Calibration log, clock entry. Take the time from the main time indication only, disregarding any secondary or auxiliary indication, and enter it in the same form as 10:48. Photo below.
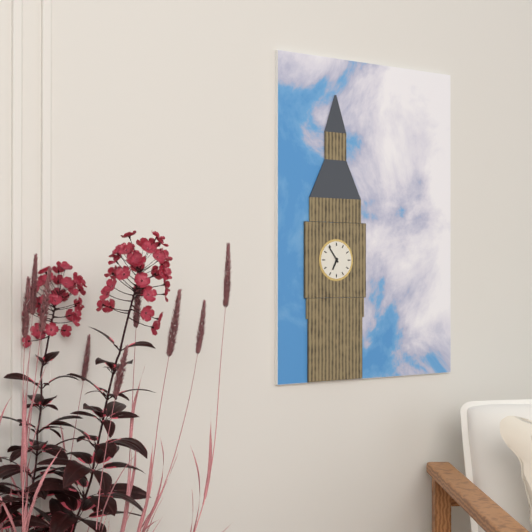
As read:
6:54
